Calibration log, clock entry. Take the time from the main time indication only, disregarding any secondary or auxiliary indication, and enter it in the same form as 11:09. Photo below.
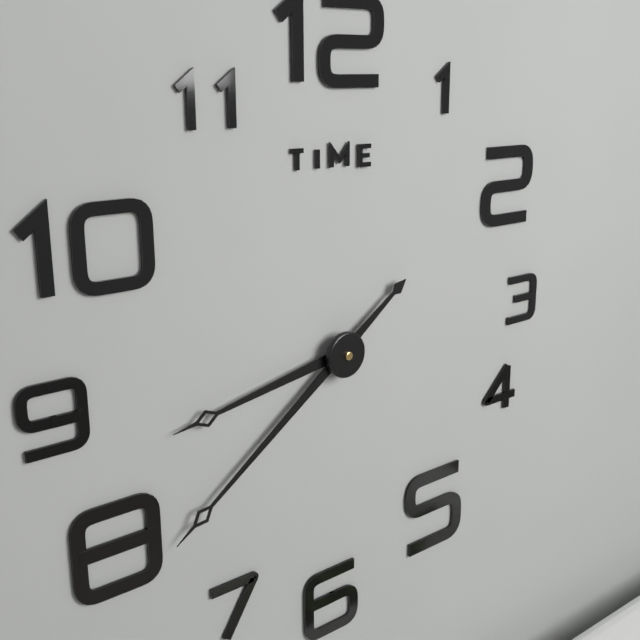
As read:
8:39
